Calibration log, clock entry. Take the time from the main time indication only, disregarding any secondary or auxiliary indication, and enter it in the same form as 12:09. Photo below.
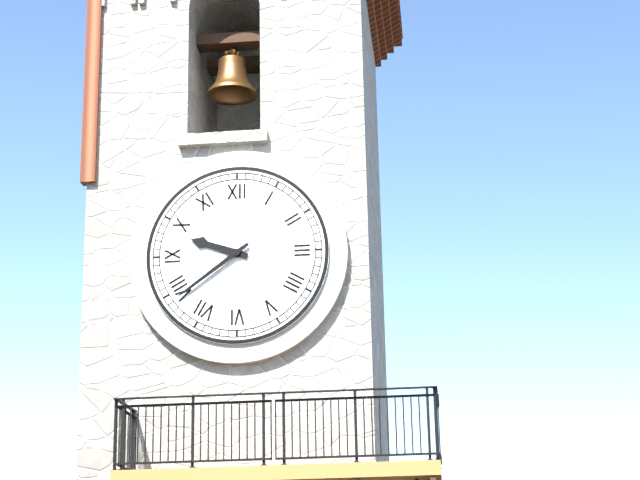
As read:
9:39
